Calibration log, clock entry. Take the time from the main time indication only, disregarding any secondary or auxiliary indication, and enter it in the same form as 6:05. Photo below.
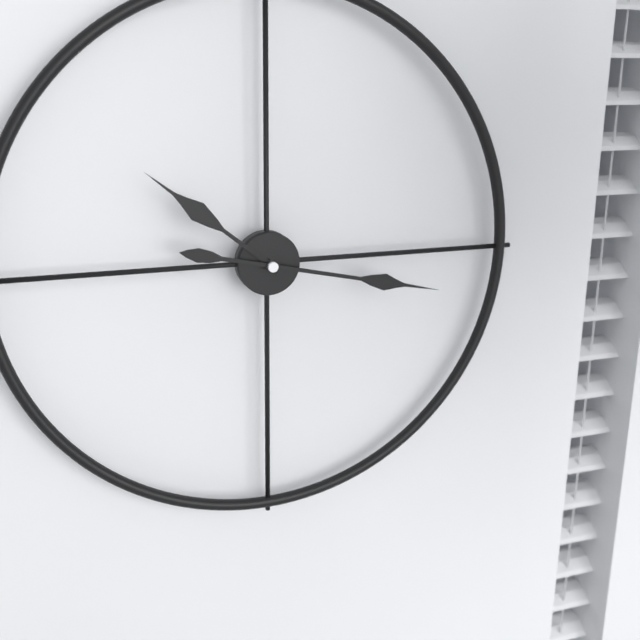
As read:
10:17
